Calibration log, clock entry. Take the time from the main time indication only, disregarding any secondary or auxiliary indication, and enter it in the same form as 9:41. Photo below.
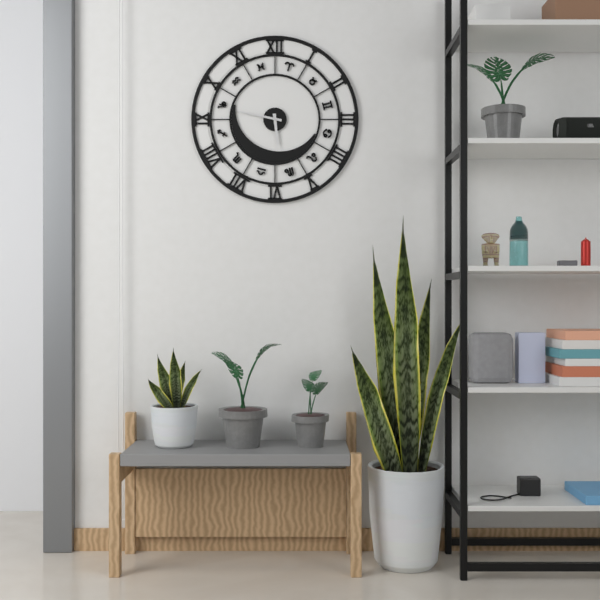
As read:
5:47
